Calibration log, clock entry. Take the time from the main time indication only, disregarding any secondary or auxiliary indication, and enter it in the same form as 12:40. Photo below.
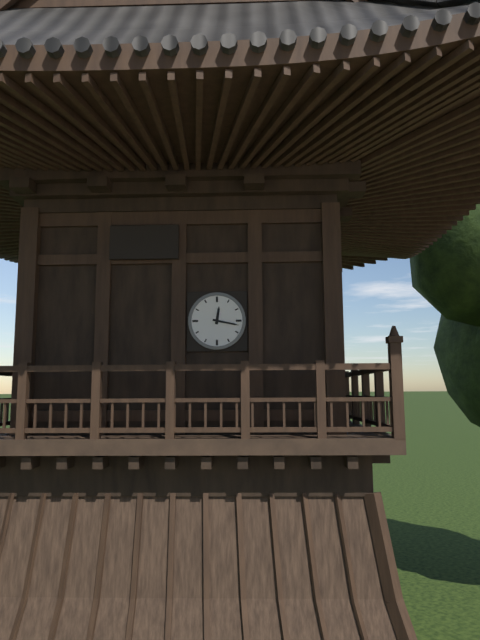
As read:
12:17
